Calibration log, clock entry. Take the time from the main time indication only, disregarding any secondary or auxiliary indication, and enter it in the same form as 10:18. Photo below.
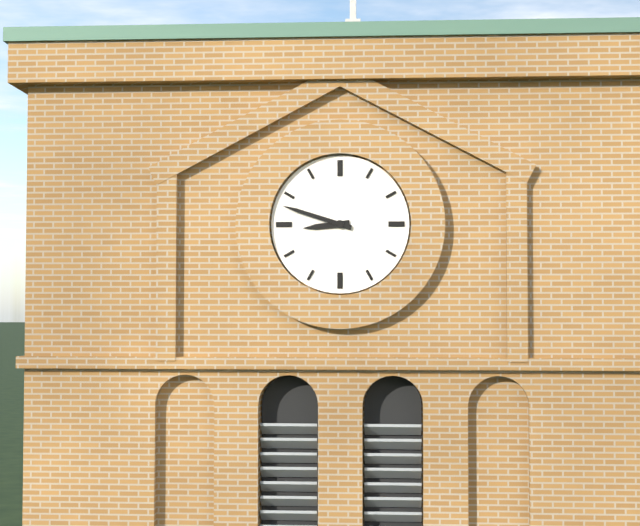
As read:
8:48
